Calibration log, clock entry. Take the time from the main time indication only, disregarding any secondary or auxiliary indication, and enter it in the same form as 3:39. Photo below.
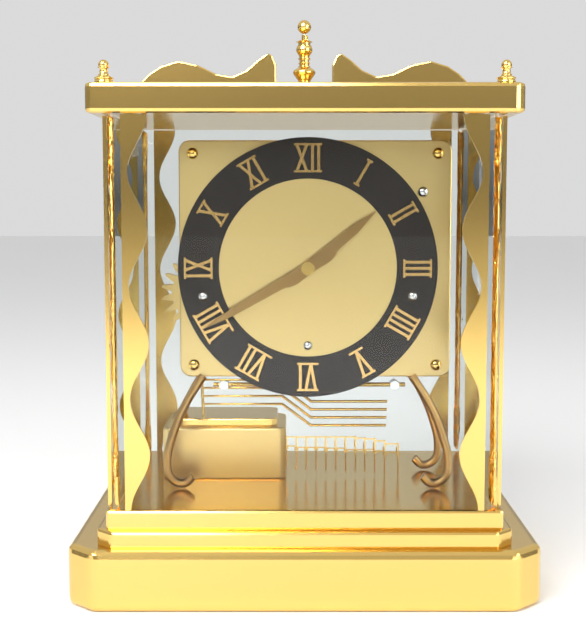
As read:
1:40
